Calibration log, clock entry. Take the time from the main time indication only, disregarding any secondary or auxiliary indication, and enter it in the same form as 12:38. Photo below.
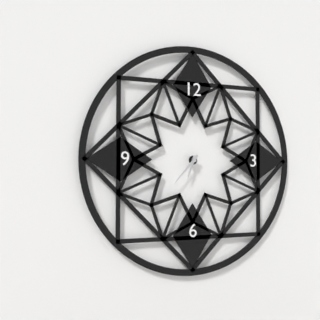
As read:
6:37
